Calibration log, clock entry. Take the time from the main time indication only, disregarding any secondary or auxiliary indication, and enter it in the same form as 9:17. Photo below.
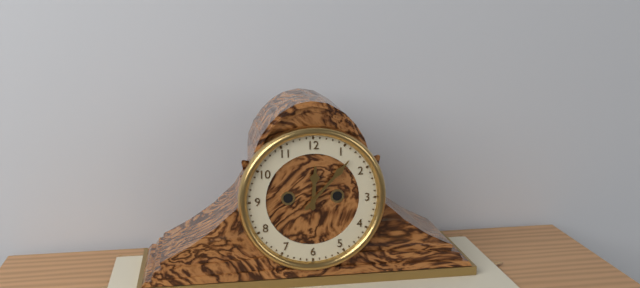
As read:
12:07
